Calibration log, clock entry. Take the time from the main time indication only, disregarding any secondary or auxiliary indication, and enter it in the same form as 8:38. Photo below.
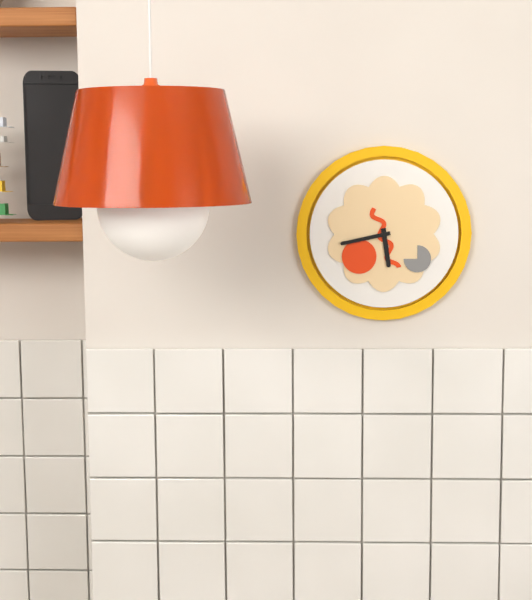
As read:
5:43
